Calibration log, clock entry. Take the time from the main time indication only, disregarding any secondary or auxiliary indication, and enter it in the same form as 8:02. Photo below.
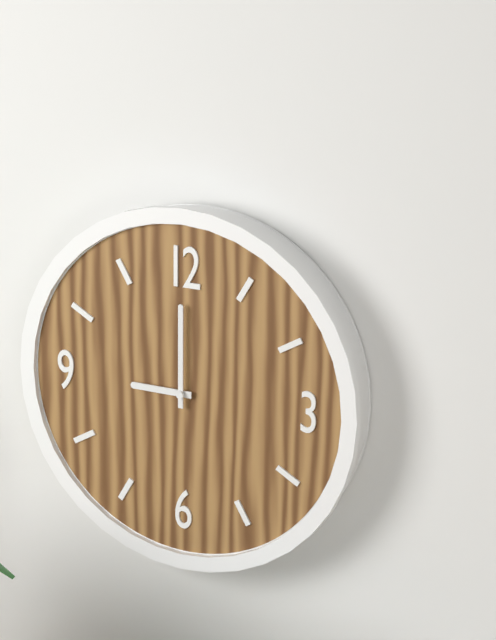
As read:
9:00
